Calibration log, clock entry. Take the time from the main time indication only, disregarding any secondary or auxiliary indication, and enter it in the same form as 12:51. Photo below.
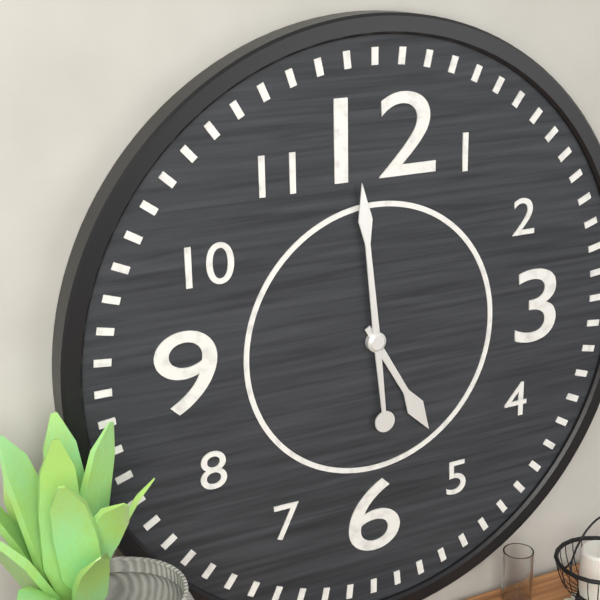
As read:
4:59
